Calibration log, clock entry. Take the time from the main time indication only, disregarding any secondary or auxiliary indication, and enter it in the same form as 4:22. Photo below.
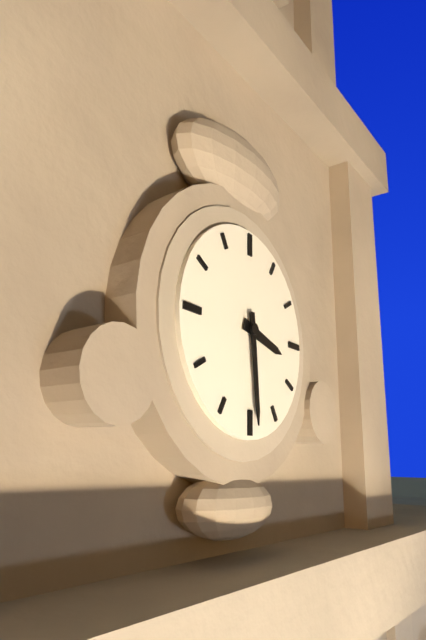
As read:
3:29
